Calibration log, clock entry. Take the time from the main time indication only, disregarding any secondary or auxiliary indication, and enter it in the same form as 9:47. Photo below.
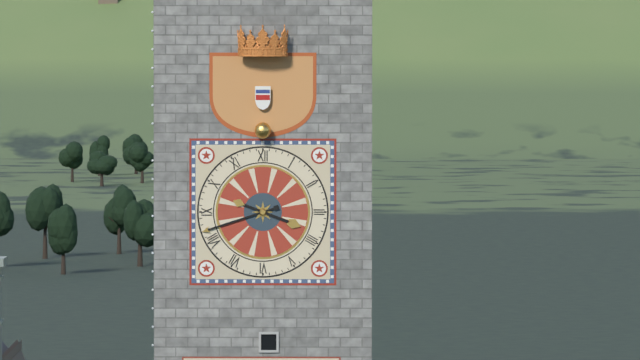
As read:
3:42
